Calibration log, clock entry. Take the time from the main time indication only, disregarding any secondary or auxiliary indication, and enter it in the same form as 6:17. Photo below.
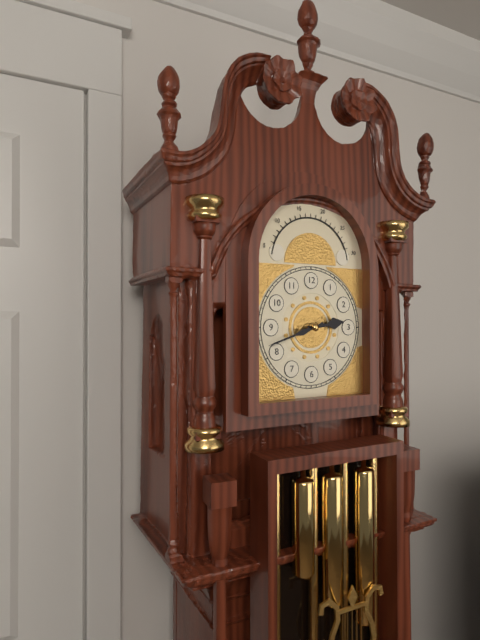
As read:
2:42
